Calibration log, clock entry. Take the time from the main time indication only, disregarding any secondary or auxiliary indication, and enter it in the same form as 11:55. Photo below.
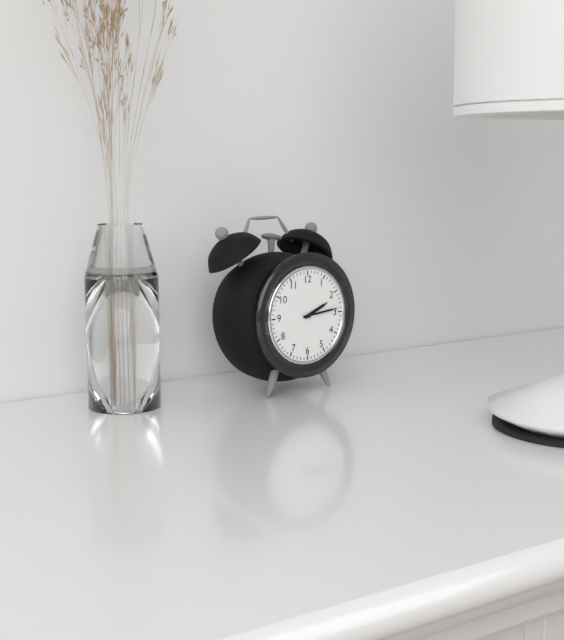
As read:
2:14
